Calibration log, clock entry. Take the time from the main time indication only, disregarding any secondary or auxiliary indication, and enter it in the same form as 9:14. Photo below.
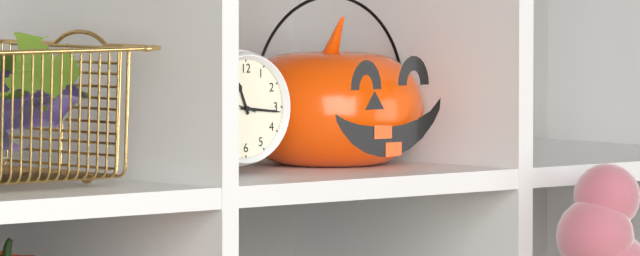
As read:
11:16
